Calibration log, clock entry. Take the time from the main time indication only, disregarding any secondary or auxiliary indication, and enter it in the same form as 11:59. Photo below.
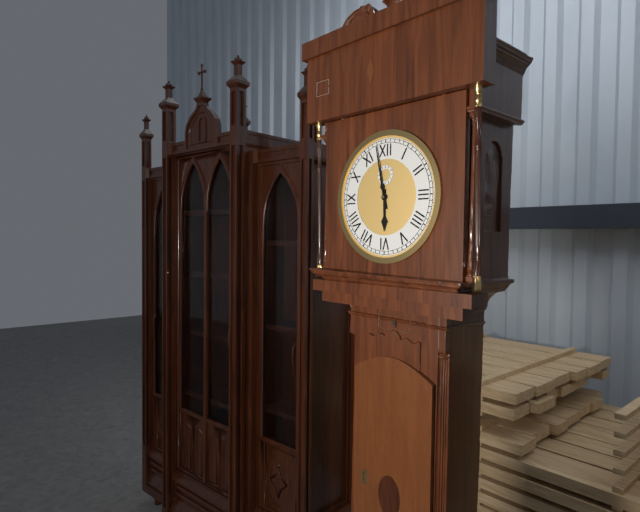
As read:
5:58
